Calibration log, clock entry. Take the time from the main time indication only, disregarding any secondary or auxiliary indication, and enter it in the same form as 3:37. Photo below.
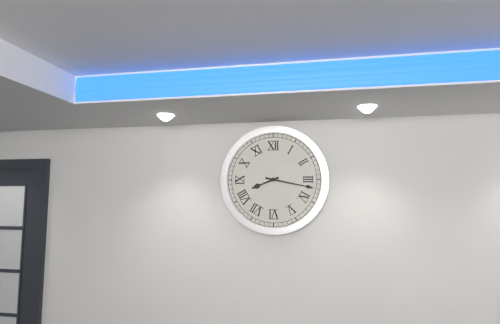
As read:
8:17
